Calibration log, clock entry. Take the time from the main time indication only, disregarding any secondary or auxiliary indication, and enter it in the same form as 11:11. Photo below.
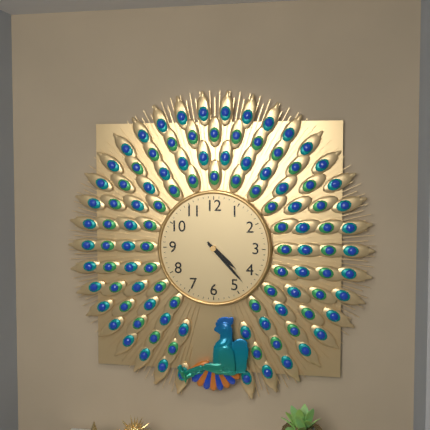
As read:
4:23
